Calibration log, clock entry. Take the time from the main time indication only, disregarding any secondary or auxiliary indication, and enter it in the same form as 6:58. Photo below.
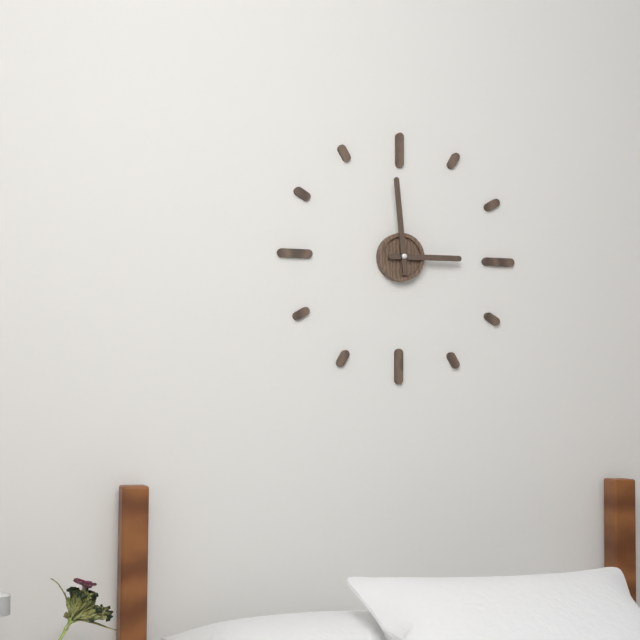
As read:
2:59
